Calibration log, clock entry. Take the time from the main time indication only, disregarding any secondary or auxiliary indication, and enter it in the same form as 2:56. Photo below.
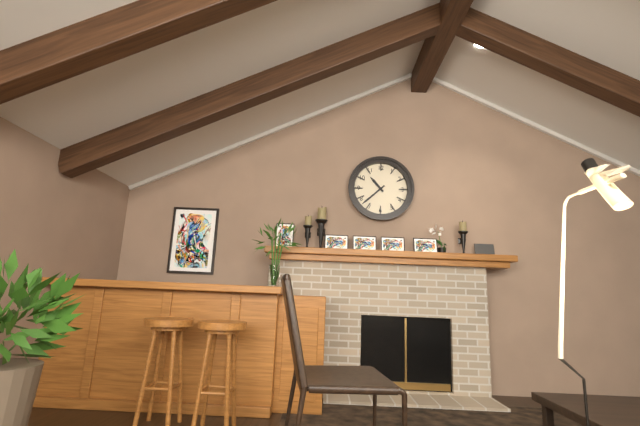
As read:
10:38
